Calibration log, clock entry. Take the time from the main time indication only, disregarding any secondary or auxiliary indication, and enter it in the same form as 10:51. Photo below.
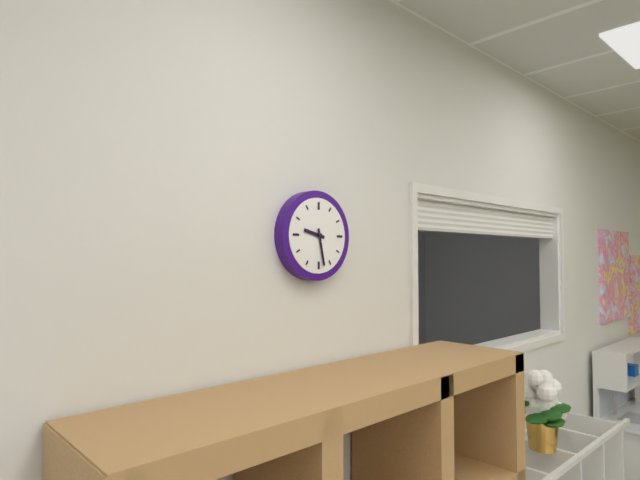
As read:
9:28
